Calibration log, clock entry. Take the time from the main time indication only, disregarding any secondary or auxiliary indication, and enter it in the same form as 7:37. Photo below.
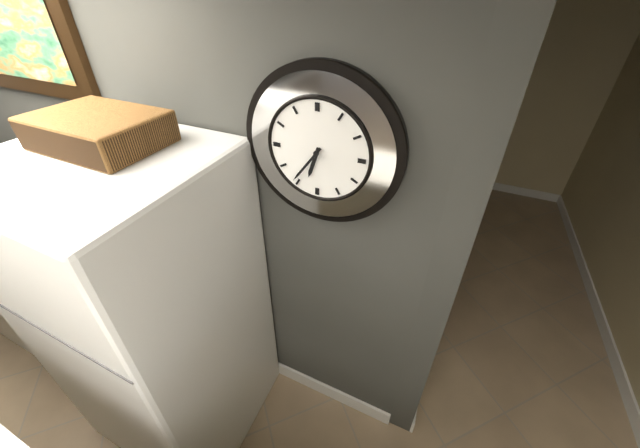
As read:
6:36
